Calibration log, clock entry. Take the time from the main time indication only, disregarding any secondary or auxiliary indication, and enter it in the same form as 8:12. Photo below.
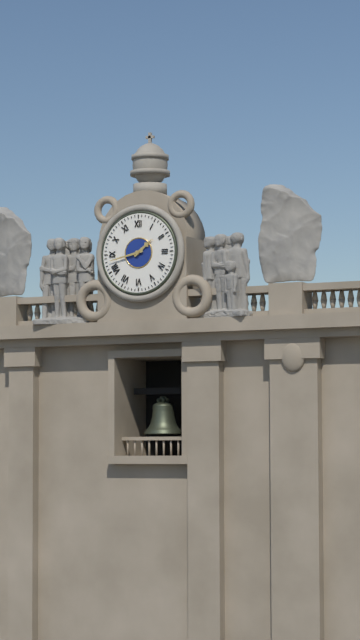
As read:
1:43
